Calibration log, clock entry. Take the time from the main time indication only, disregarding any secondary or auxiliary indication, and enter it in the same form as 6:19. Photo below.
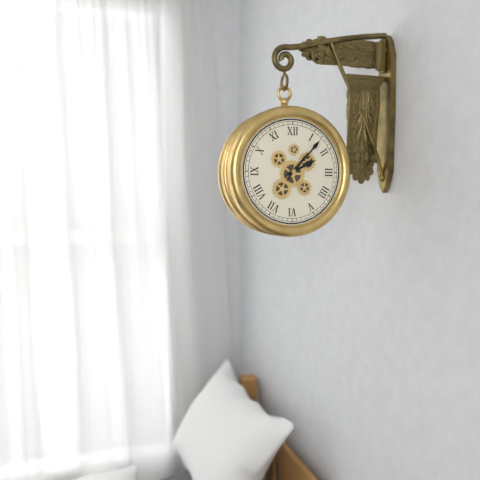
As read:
2:07
